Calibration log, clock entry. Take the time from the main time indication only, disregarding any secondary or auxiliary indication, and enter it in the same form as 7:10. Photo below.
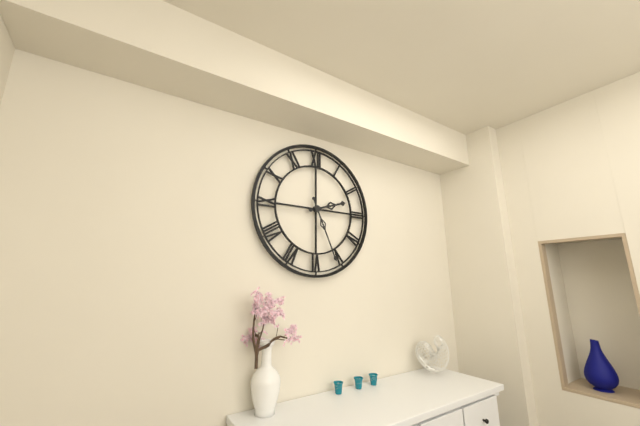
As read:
2:26
